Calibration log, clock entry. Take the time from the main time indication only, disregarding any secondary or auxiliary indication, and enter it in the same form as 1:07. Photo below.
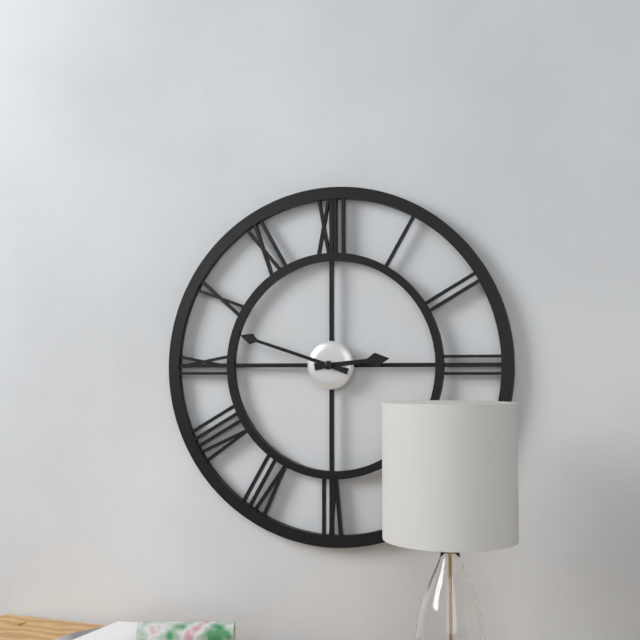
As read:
2:48
